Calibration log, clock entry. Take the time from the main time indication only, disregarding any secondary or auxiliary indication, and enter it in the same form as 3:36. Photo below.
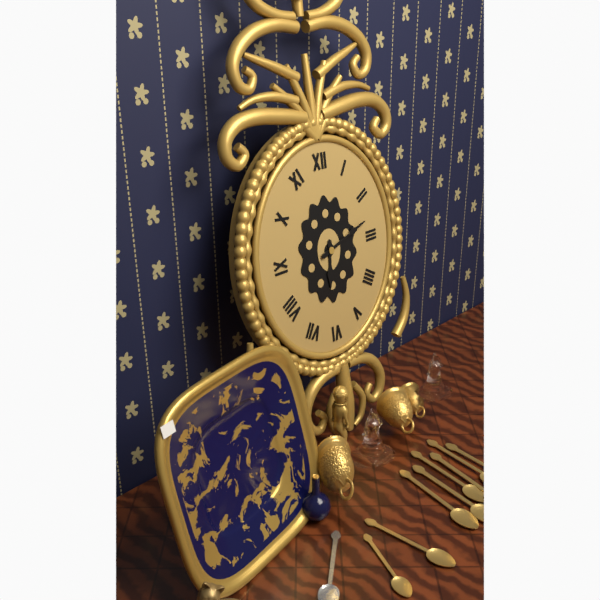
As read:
6:12
